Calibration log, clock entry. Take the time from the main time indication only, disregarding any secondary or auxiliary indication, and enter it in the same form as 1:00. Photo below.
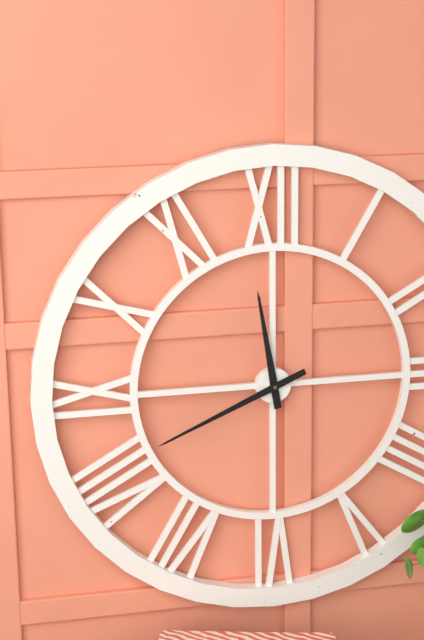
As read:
11:41
